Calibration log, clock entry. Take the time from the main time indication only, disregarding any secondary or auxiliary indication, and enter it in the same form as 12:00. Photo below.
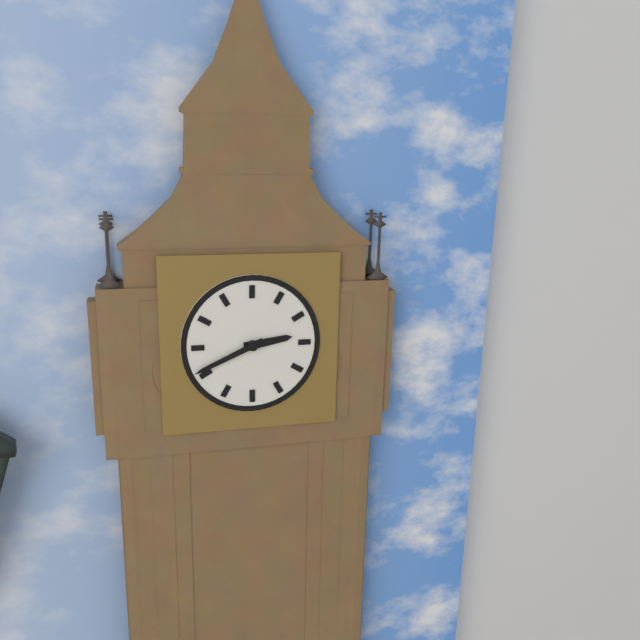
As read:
2:41
